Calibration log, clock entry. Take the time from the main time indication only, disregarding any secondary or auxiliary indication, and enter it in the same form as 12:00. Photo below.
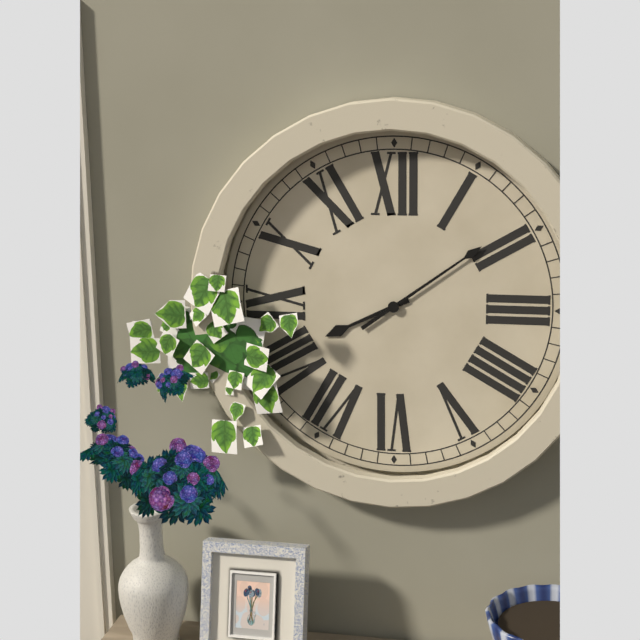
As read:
8:09
